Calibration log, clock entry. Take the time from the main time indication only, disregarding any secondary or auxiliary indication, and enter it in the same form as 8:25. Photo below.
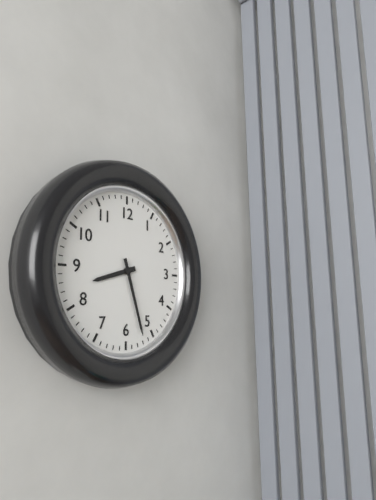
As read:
8:27
